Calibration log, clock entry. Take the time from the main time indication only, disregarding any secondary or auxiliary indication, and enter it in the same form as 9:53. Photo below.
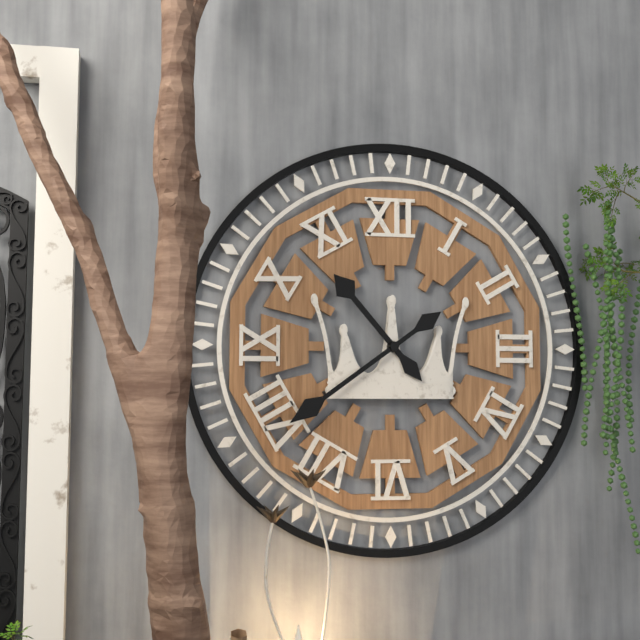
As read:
10:39
